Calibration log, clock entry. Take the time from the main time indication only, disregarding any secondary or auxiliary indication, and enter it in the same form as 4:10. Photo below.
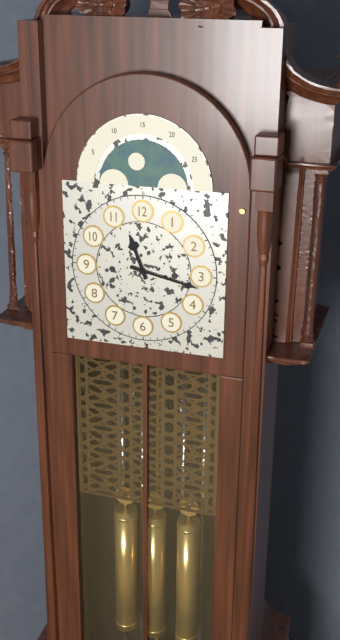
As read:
11:17
